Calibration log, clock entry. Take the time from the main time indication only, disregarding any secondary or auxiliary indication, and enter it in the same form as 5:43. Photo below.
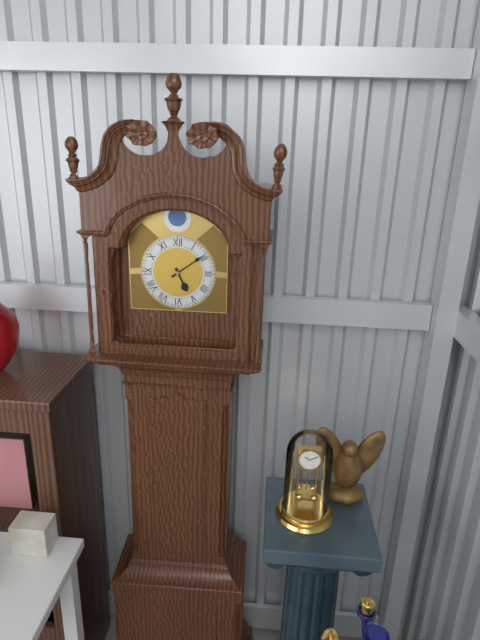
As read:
5:09
